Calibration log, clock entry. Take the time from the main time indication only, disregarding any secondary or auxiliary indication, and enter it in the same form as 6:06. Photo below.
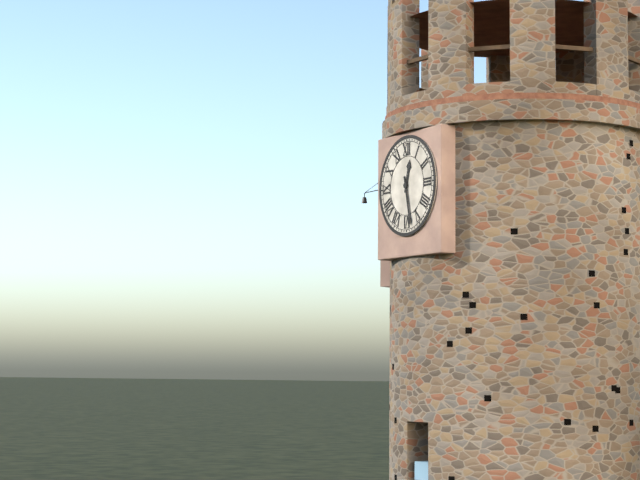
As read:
12:28
